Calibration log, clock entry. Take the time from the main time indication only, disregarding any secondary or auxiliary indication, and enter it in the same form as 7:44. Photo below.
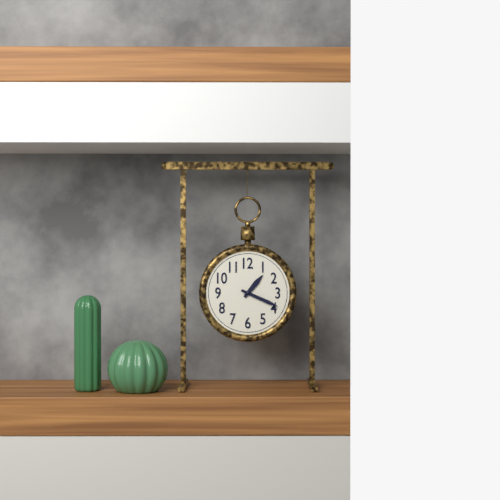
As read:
1:19
